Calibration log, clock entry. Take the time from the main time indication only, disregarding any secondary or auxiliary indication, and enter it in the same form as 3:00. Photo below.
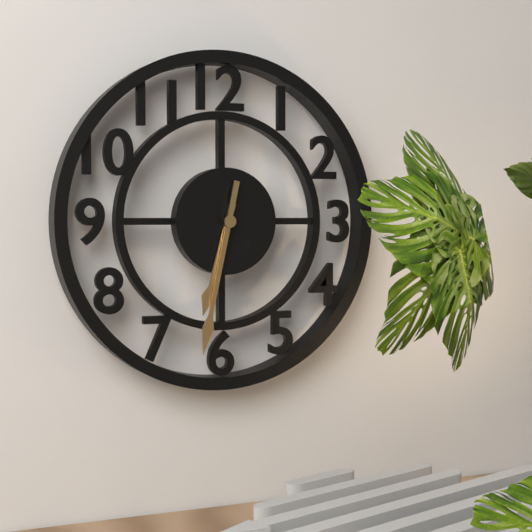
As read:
6:32
